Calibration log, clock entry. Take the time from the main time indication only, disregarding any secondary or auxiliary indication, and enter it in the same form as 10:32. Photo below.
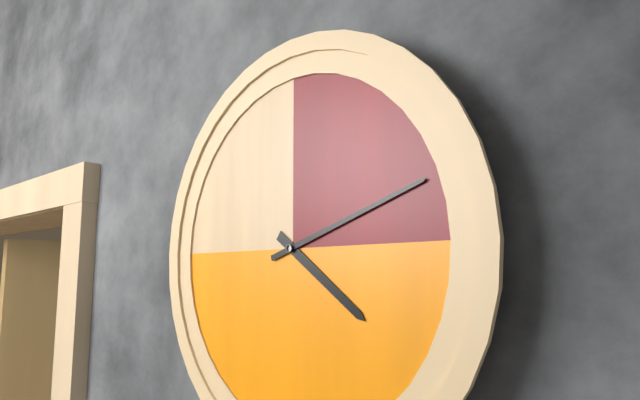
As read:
4:12
